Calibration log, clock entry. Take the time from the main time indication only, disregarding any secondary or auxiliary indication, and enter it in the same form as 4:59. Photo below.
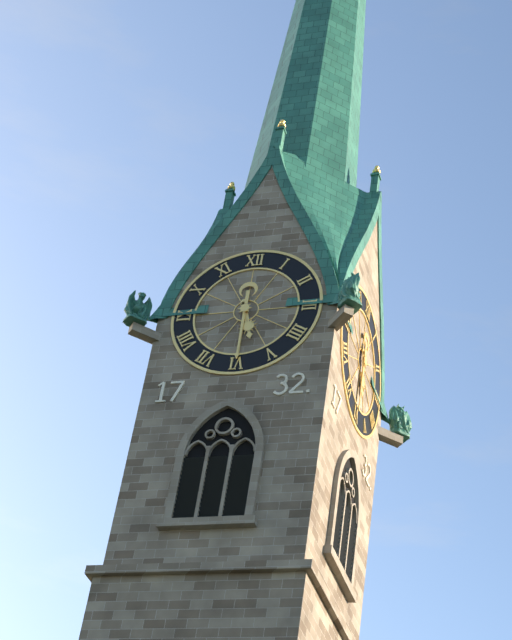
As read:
5:30
